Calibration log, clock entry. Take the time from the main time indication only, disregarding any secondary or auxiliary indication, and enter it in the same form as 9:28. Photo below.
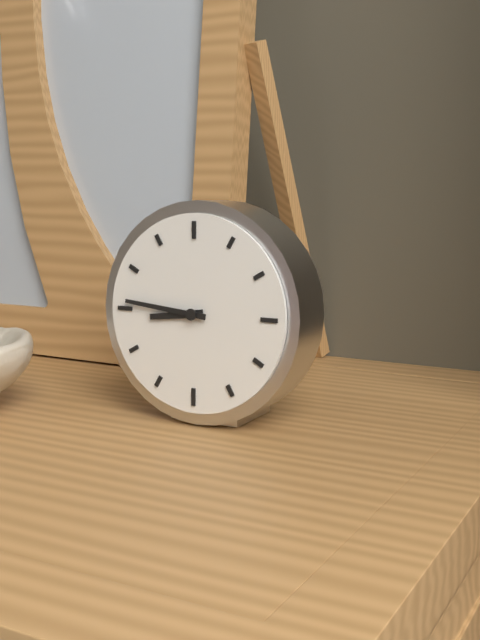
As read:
8:46
